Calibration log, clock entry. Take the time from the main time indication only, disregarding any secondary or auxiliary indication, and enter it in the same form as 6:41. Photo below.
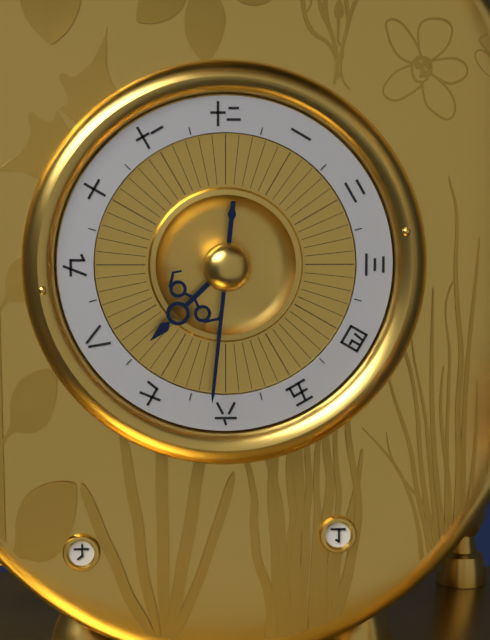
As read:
7:31
